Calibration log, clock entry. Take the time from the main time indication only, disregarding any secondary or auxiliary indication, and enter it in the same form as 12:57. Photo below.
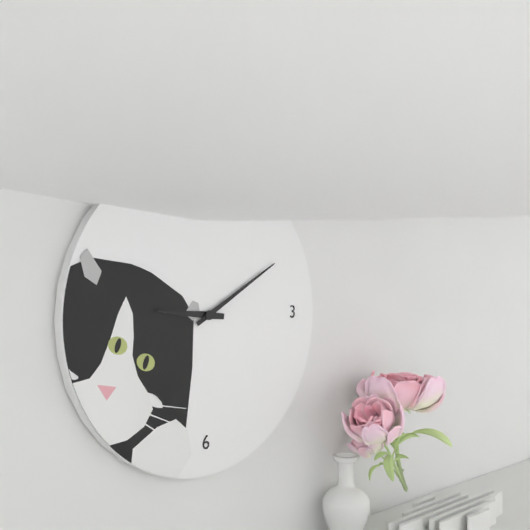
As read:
9:10
